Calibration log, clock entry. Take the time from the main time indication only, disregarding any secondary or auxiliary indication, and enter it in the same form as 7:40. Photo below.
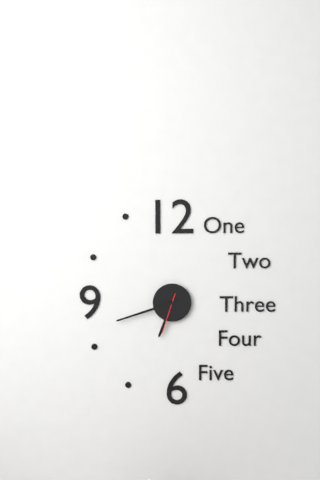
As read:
6:42
